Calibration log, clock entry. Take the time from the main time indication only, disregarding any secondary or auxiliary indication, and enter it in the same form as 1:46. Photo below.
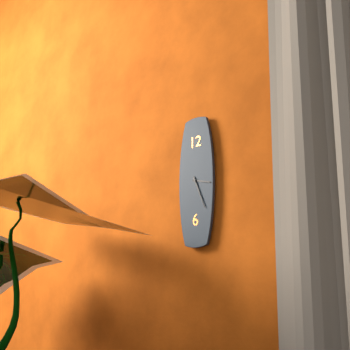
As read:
3:26
